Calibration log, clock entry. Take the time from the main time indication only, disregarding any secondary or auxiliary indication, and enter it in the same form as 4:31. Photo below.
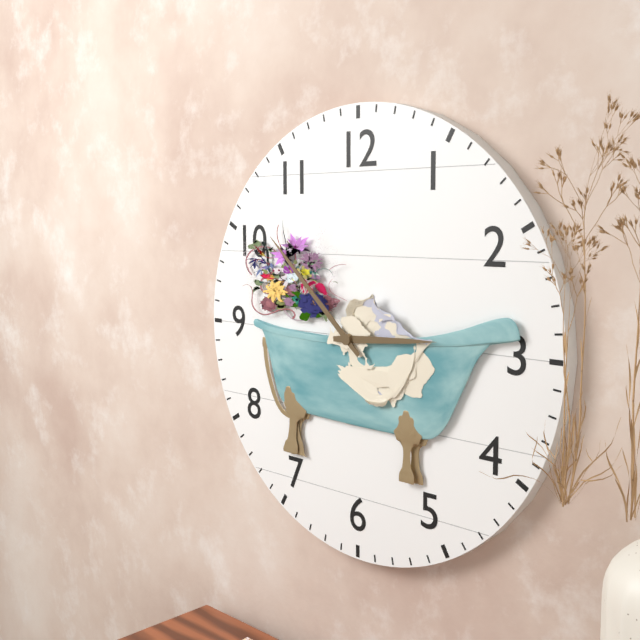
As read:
2:52
